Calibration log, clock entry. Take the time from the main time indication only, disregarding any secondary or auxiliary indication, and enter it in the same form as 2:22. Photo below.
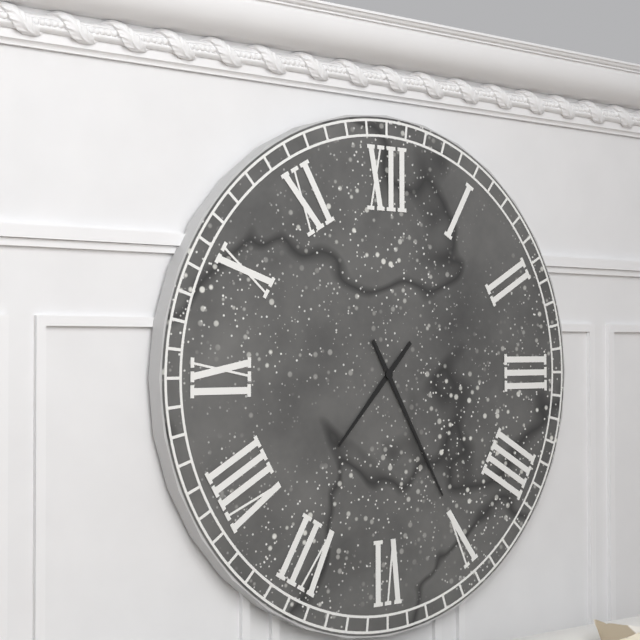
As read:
7:25
